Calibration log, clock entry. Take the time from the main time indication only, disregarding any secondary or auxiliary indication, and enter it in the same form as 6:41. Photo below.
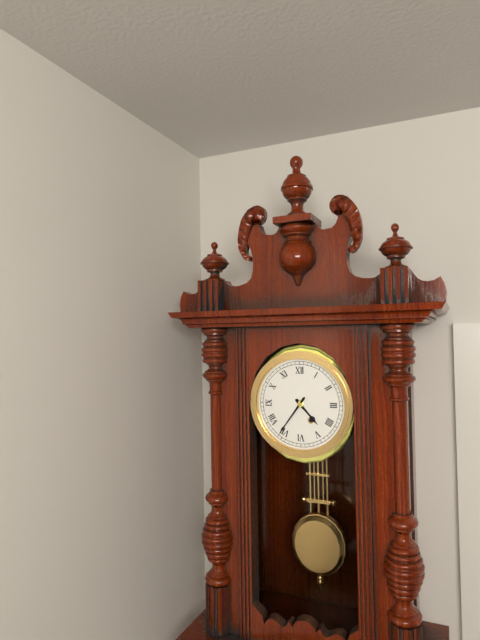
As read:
4:36
